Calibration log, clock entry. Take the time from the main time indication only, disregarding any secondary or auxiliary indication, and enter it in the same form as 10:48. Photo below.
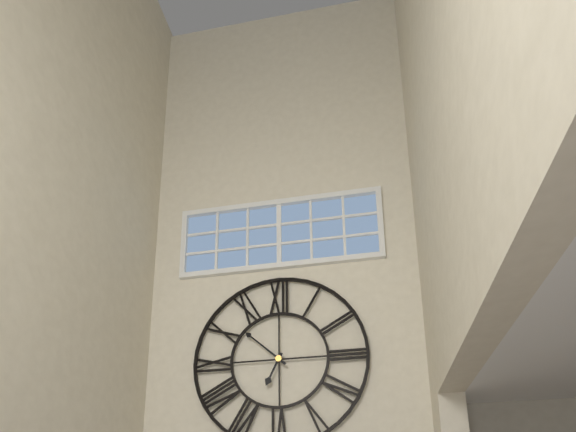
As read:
6:52
